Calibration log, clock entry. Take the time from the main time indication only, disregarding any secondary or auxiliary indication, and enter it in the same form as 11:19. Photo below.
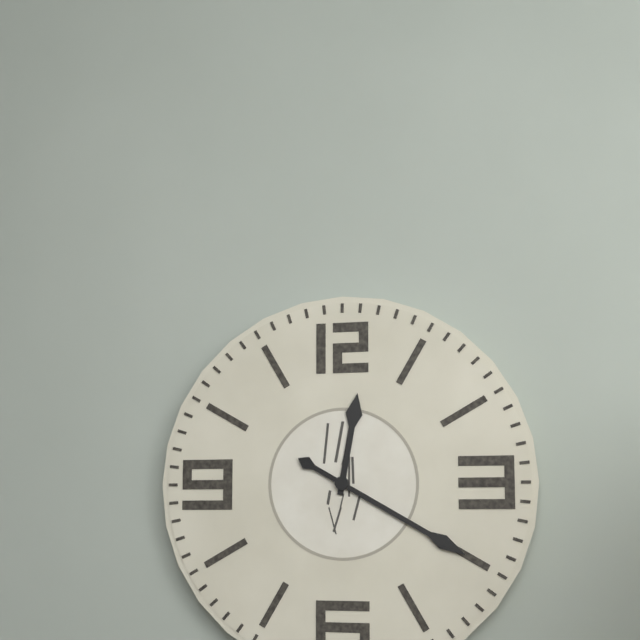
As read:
12:20
